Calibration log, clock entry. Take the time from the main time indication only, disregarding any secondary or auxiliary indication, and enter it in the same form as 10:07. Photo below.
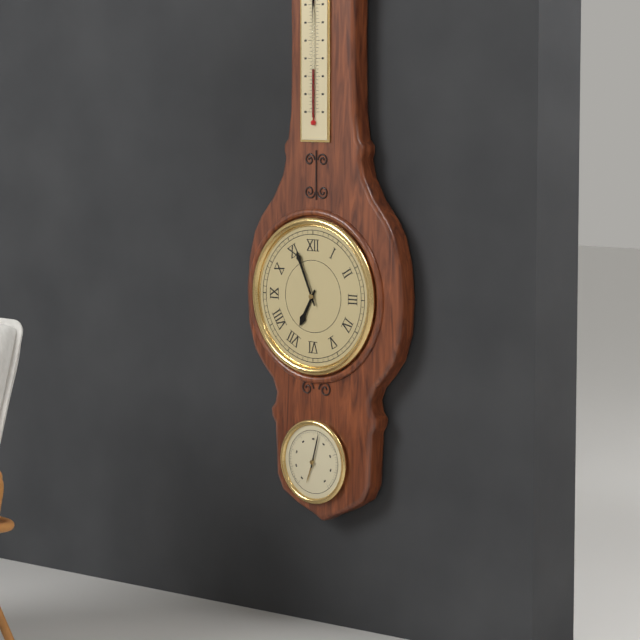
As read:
6:56
